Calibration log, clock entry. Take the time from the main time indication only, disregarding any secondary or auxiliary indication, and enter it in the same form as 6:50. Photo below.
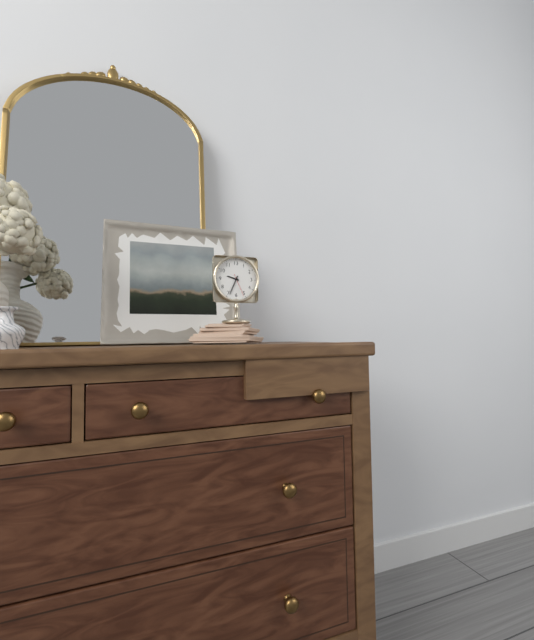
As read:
9:34
